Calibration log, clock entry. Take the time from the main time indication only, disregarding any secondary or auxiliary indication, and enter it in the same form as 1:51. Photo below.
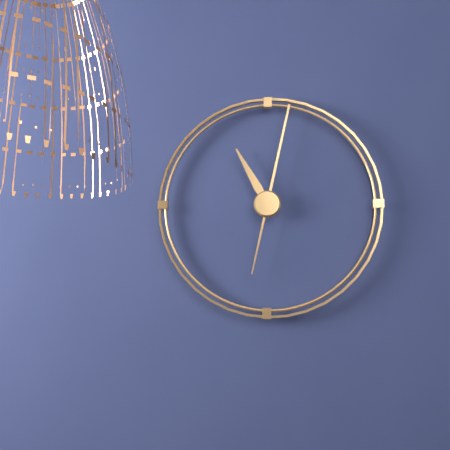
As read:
11:02
